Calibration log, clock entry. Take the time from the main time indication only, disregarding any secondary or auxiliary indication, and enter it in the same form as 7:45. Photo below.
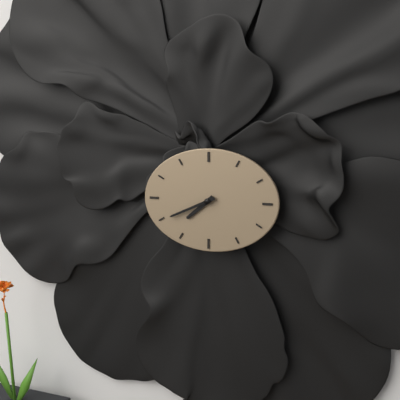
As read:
7:41
